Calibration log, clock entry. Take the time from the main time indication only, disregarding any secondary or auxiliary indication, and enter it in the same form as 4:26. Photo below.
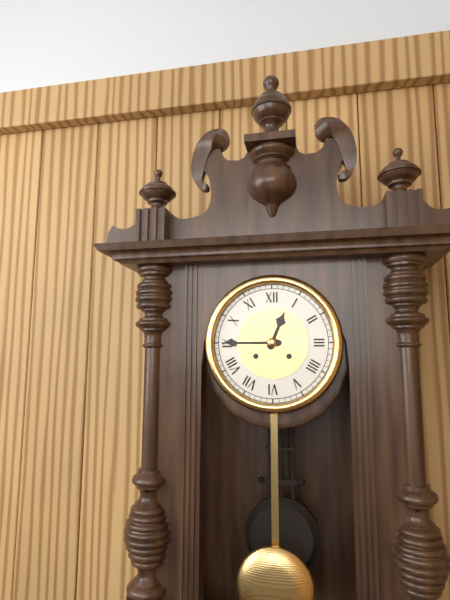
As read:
12:45
